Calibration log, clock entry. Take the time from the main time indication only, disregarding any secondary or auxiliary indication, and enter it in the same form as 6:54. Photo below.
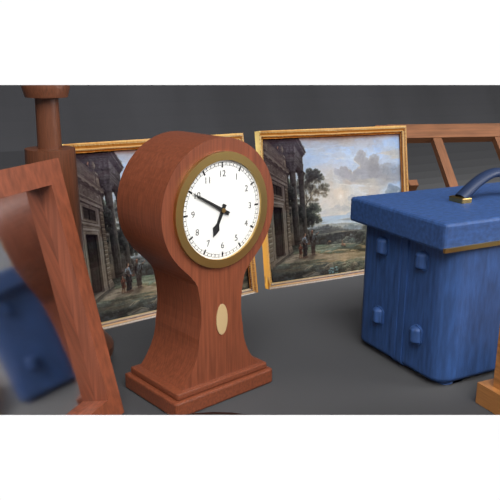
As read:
6:50
